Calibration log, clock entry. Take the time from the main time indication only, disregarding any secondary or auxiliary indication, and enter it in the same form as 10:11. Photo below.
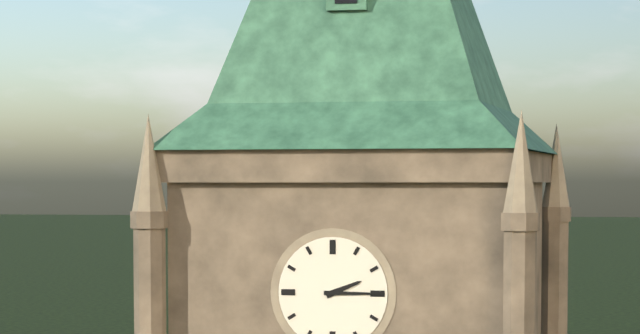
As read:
2:15
